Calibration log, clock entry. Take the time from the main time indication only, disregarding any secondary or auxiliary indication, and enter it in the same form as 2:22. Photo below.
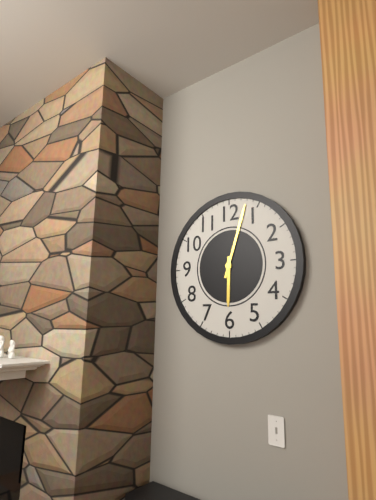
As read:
6:03
